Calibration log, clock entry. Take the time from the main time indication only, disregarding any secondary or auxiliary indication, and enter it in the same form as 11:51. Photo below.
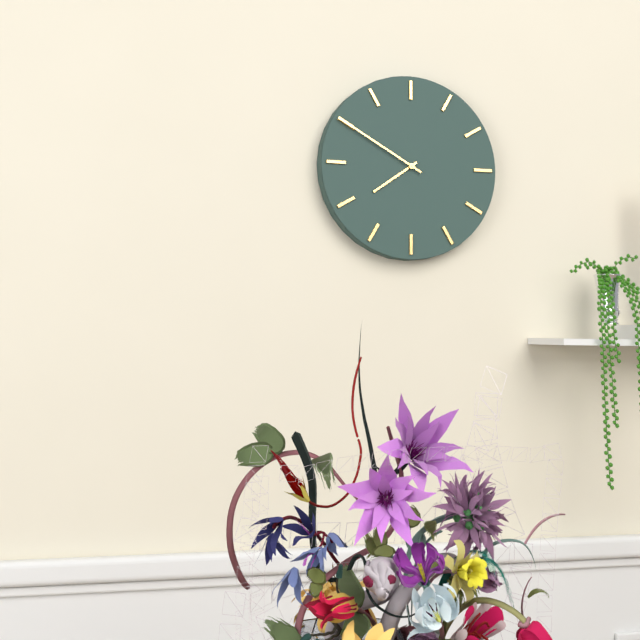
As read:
7:50
